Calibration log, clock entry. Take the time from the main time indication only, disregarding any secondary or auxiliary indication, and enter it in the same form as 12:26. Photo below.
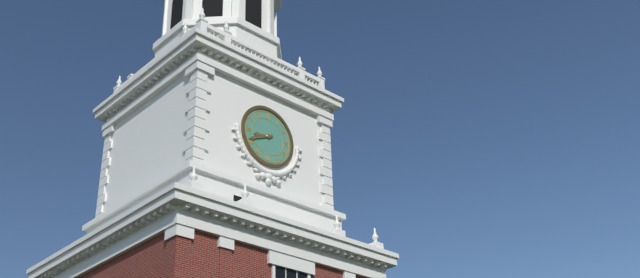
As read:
8:41
